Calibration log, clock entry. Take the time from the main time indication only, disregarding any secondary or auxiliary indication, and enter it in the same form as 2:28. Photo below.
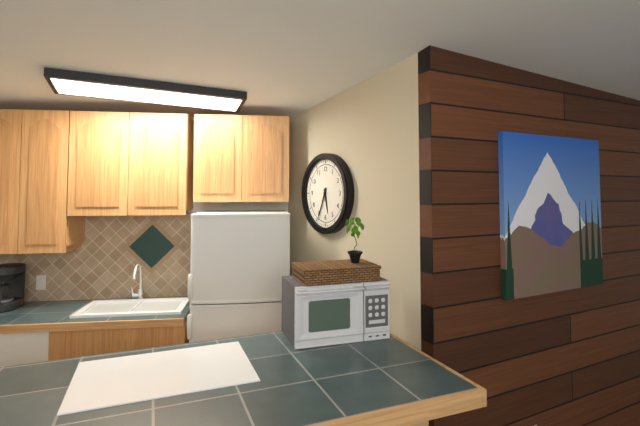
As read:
5:34
